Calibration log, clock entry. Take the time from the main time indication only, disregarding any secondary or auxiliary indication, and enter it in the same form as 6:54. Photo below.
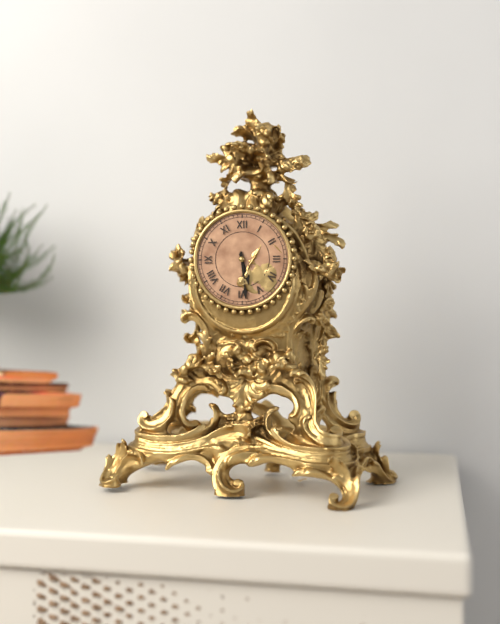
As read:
5:29
